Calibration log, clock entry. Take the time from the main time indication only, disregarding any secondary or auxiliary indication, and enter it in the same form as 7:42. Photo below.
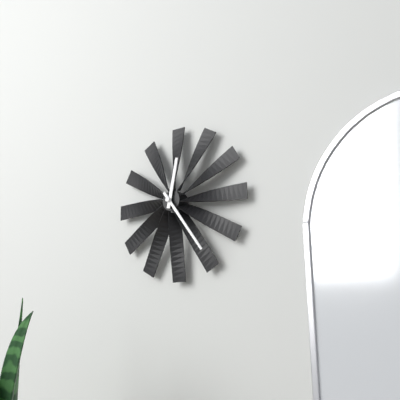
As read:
12:24
